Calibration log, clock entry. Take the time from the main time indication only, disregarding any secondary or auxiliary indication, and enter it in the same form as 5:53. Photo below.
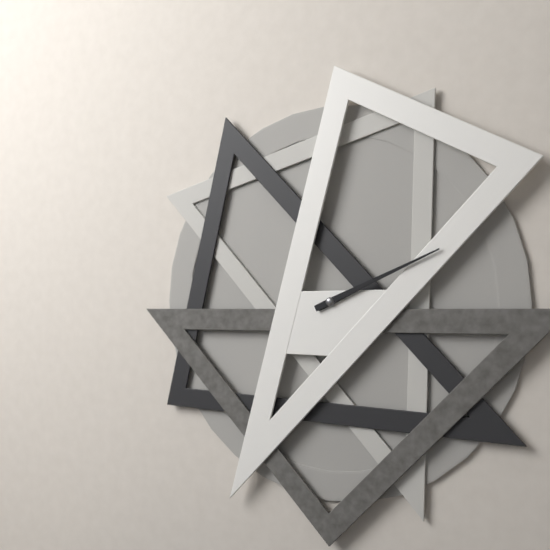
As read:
2:11
